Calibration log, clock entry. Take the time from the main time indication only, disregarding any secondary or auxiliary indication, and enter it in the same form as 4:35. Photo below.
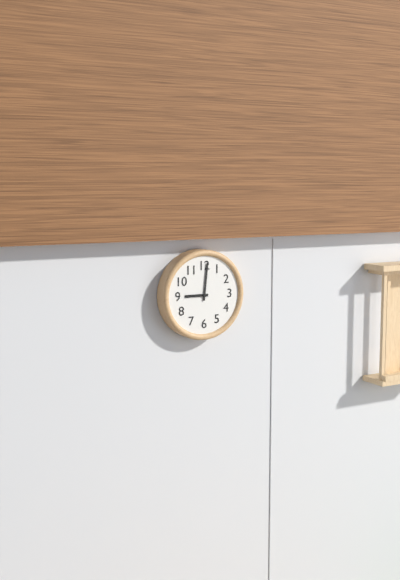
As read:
9:01
